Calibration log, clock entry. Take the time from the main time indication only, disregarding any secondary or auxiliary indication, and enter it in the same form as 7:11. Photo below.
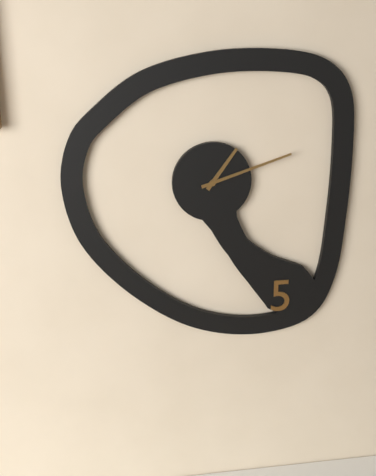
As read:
1:12
